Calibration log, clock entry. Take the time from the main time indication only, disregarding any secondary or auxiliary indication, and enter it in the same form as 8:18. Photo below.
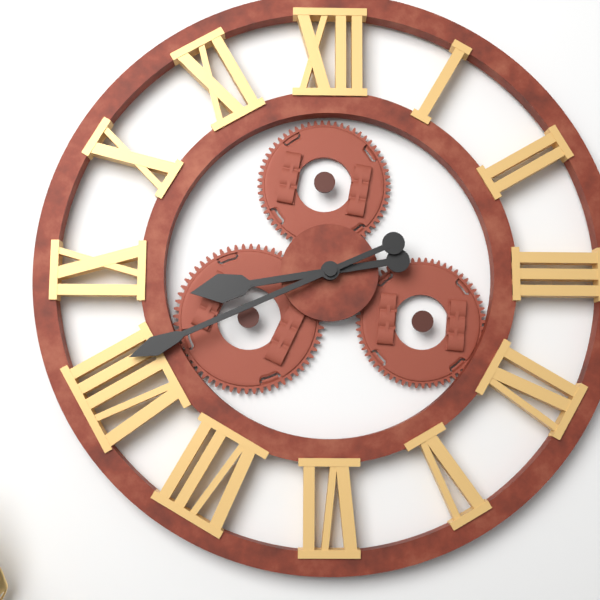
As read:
8:41
